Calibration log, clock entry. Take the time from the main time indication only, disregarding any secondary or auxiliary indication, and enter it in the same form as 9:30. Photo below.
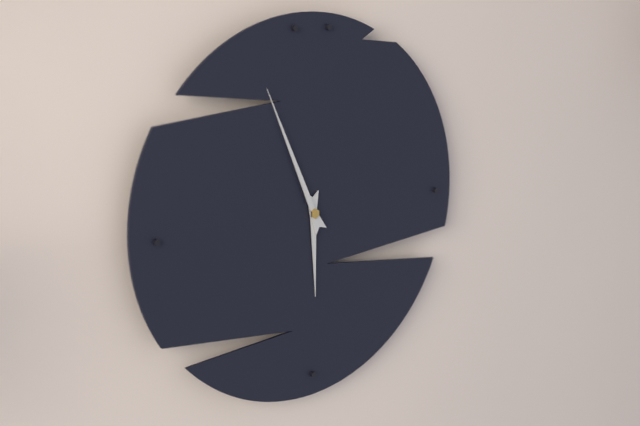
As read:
5:56
